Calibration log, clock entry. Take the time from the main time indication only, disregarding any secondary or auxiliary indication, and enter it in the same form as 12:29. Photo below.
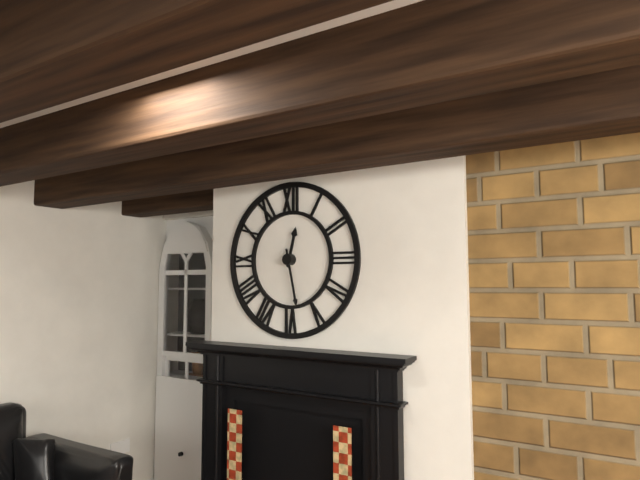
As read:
12:28
